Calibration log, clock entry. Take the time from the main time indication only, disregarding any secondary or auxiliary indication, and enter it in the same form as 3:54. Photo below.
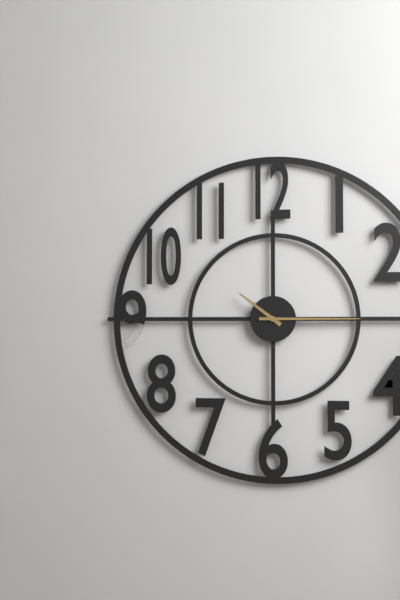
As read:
10:15
